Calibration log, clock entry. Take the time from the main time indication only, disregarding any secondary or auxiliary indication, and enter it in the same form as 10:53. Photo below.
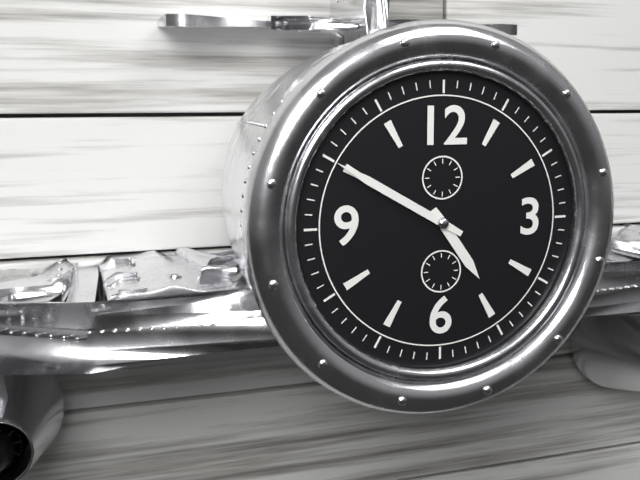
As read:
4:50
